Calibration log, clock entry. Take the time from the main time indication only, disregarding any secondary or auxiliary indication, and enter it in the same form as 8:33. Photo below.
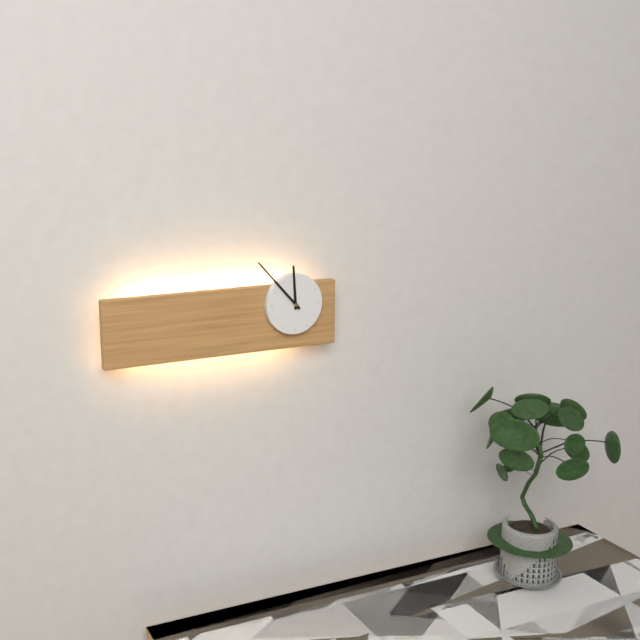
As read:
11:53
